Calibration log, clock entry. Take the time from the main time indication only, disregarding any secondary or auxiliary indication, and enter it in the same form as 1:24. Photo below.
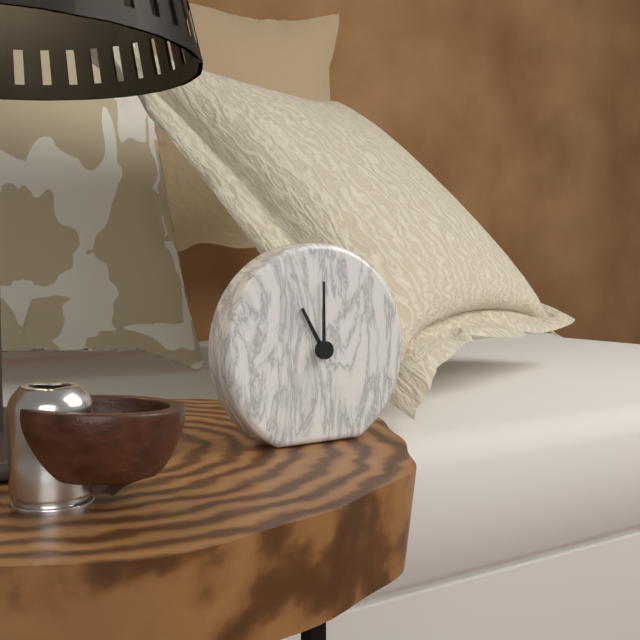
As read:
11:00
